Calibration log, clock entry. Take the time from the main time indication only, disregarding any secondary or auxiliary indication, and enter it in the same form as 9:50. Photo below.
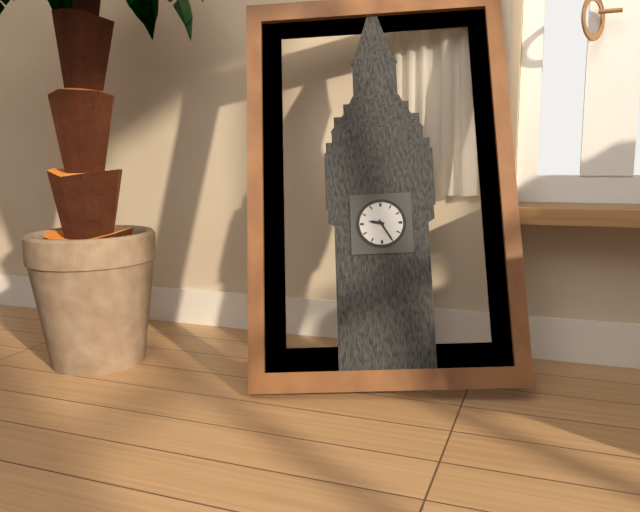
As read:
9:25
